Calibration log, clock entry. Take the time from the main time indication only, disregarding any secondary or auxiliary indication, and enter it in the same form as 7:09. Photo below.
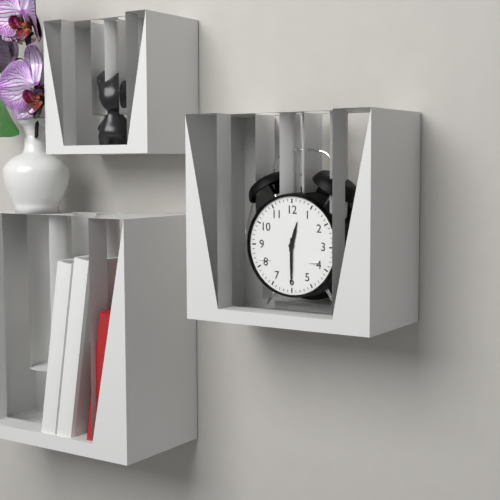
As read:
12:30
